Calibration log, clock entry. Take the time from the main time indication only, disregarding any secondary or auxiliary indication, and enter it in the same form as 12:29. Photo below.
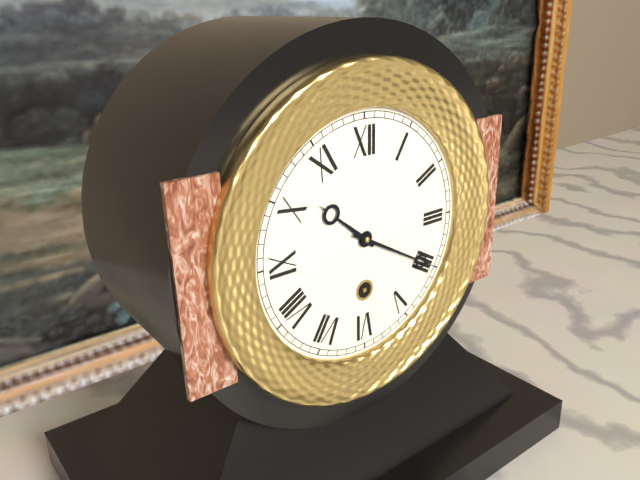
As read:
10:20
